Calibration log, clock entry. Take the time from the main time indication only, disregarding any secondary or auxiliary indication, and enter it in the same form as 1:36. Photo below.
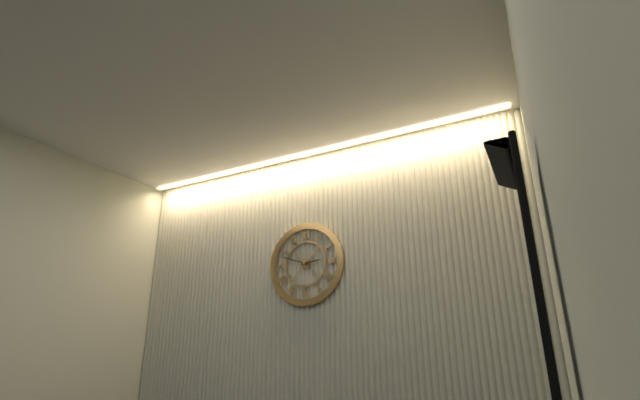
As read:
2:48
